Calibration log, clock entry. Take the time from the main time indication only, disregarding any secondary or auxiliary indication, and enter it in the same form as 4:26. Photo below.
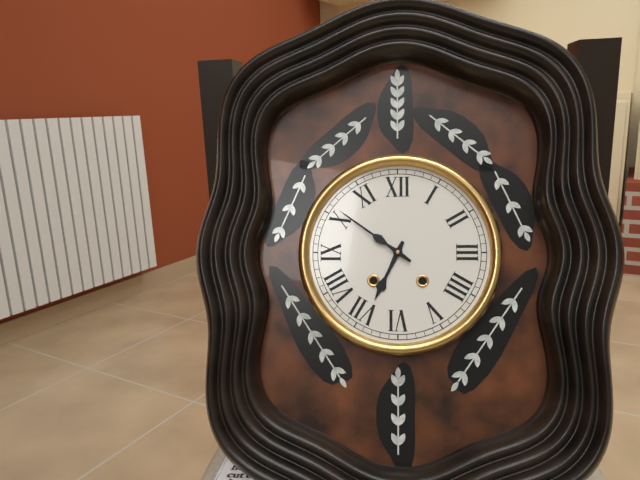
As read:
6:51
